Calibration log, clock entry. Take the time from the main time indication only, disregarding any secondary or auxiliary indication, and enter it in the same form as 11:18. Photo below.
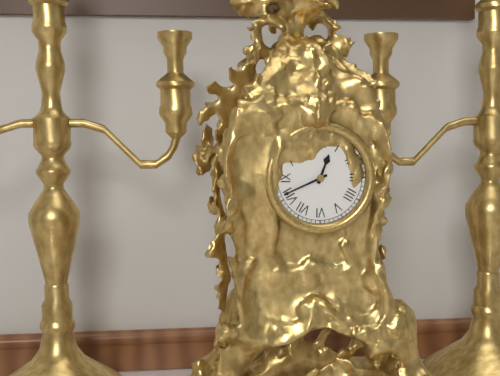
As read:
12:41
